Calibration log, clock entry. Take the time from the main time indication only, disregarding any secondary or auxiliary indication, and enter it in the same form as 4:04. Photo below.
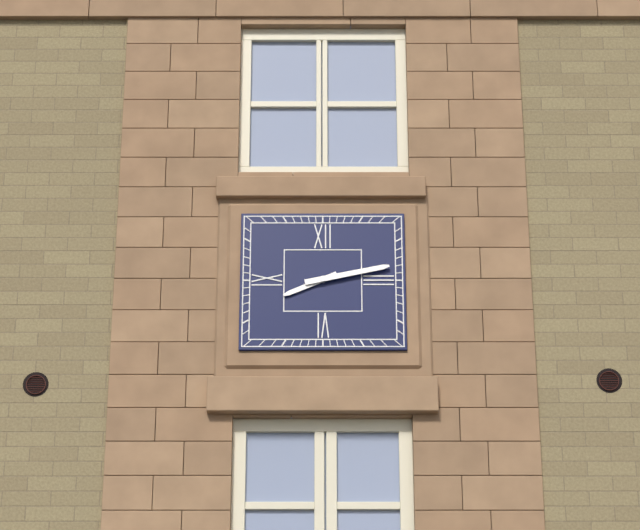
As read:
8:13
